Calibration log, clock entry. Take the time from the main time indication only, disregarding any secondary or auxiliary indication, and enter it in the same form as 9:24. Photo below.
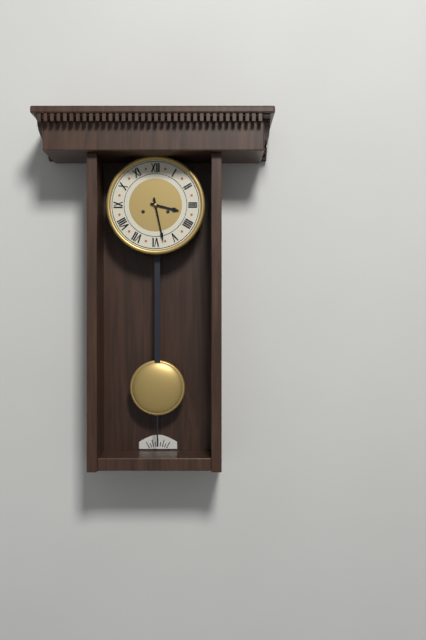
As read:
3:28
